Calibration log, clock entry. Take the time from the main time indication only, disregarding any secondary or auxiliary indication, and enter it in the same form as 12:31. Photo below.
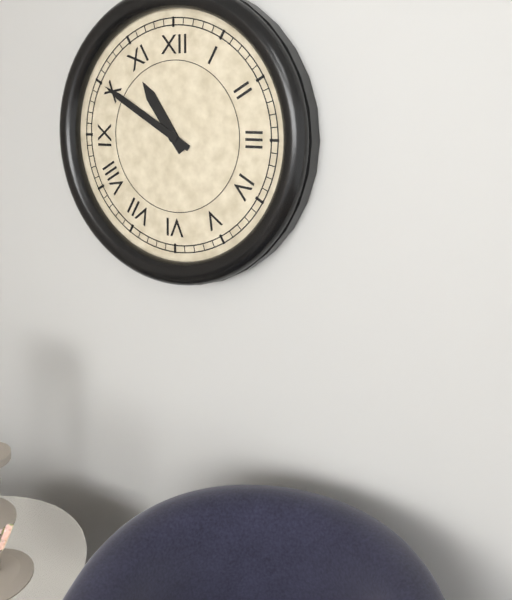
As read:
10:50
